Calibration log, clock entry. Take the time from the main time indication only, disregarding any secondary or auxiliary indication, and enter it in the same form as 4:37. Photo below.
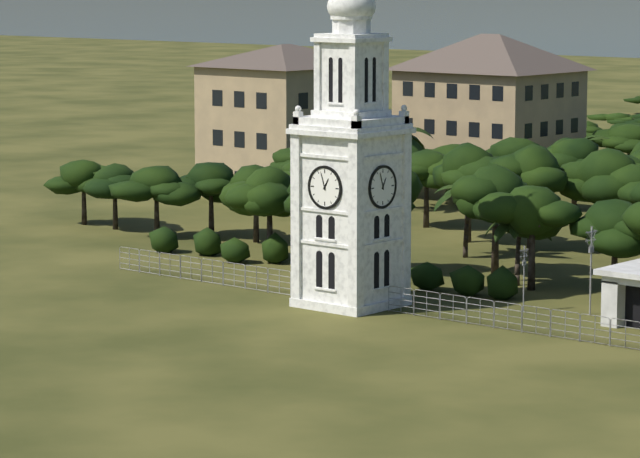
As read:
12:57
